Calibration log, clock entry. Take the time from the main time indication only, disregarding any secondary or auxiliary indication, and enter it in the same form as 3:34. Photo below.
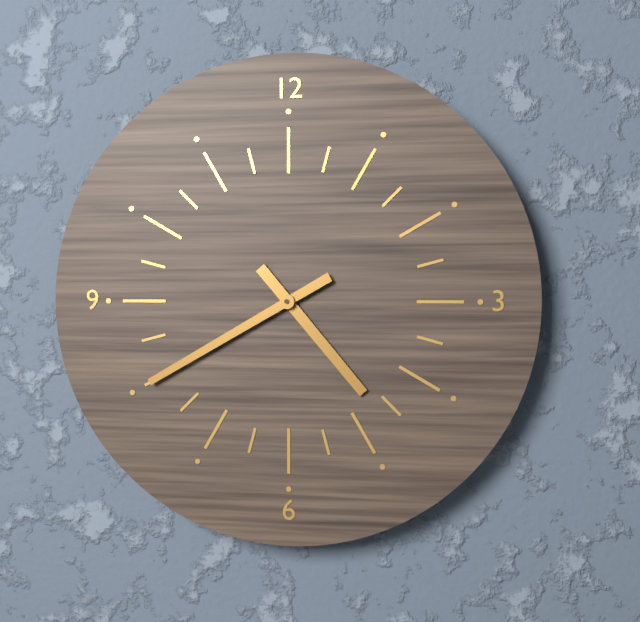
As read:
4:40
